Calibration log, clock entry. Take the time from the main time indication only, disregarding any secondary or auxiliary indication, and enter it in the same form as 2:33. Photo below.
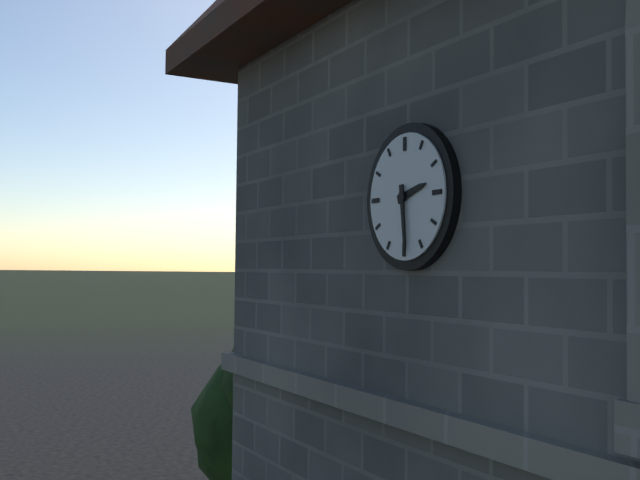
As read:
2:29
